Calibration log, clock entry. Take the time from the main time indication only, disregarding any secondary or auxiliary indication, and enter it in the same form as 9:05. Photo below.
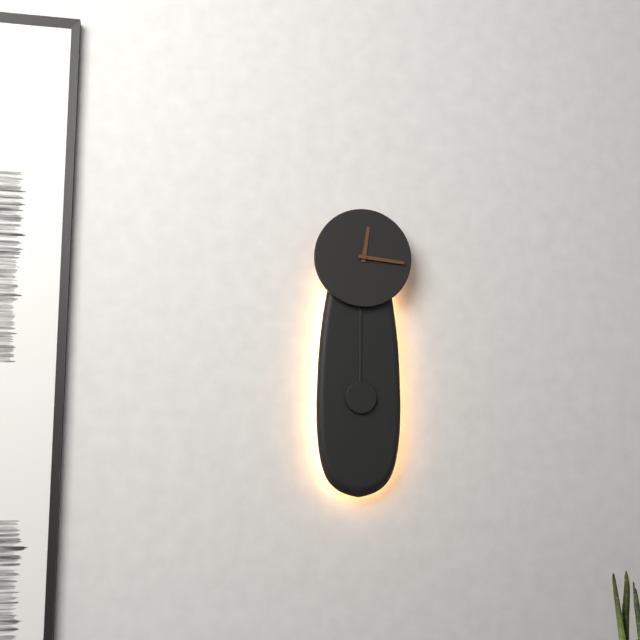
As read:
12:16
